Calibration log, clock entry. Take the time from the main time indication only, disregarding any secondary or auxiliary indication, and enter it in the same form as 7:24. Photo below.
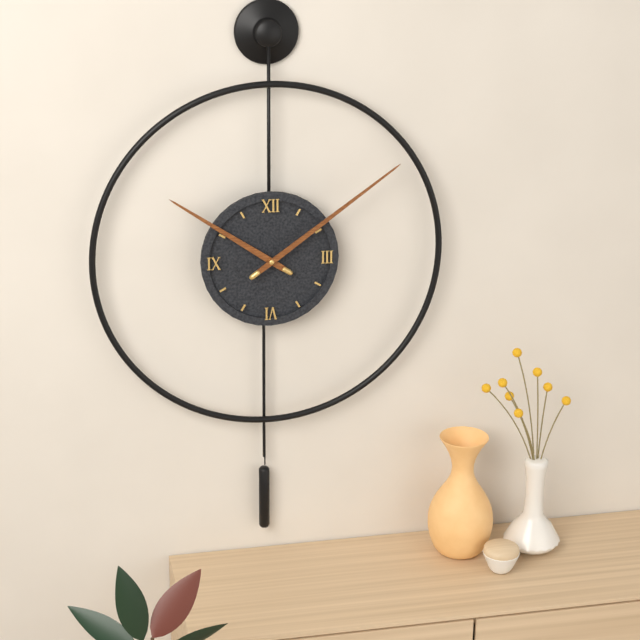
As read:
10:09
